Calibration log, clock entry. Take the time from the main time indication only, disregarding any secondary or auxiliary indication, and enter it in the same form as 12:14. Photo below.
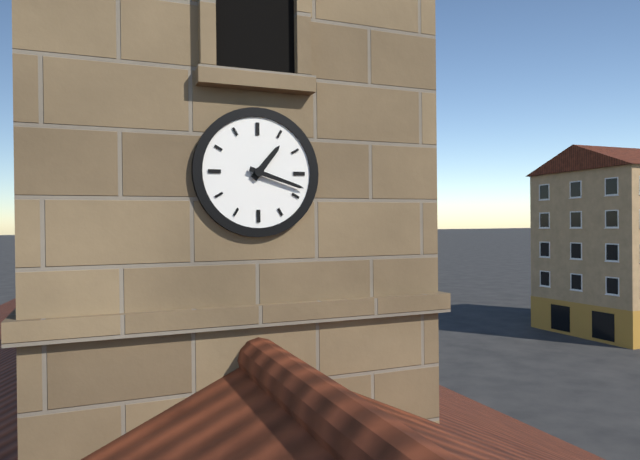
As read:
1:18
